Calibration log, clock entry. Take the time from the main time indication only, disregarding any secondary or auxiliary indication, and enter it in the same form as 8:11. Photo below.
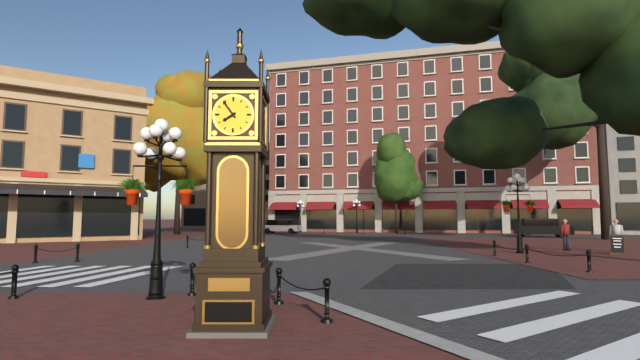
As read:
7:54
